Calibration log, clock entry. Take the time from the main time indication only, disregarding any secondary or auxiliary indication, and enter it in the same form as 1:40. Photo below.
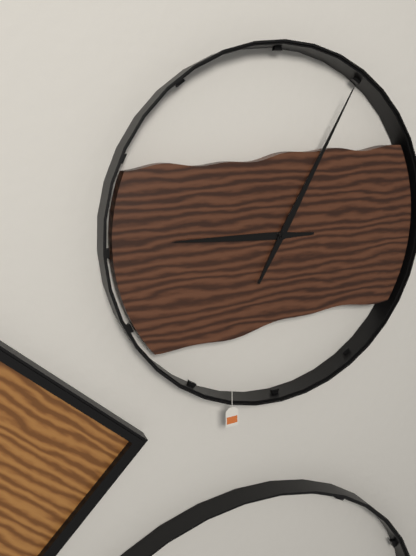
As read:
9:05
